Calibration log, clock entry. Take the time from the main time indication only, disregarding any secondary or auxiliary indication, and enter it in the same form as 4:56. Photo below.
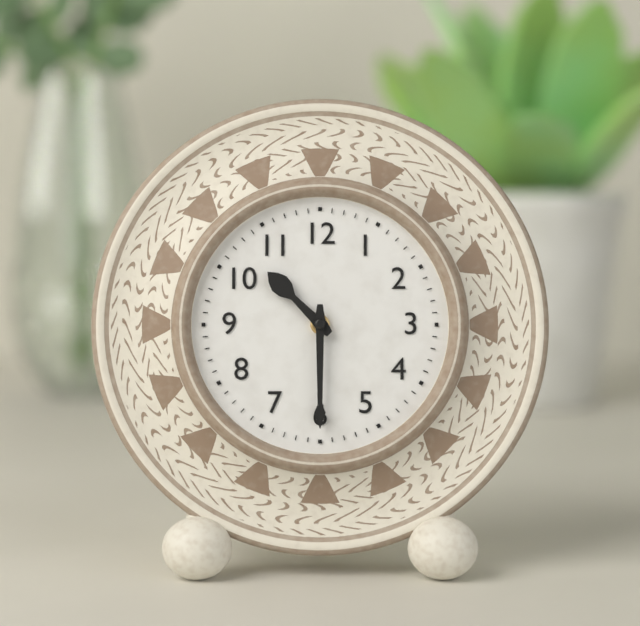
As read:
10:30
